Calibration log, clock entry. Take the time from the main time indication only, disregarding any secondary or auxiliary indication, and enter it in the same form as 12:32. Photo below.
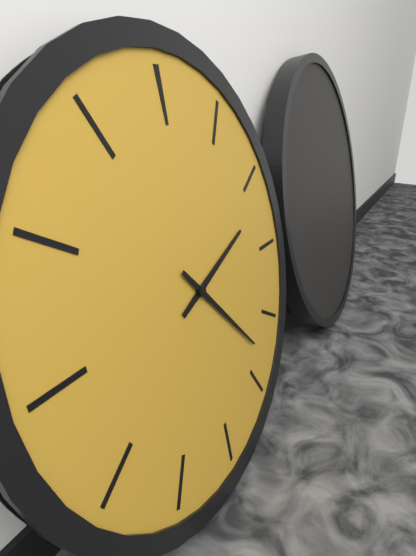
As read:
2:23
